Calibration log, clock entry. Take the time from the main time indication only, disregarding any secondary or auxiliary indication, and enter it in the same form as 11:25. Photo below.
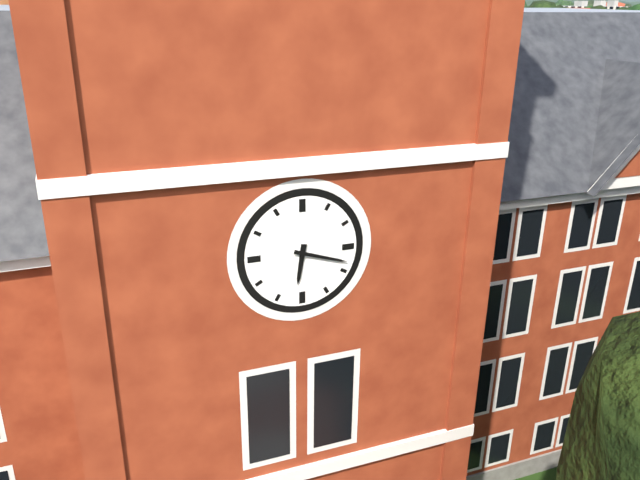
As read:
6:18
